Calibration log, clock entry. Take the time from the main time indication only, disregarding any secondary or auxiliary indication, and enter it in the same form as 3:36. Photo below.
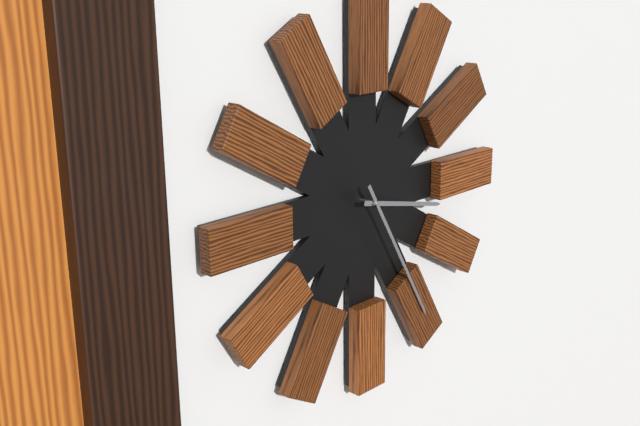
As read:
3:25
